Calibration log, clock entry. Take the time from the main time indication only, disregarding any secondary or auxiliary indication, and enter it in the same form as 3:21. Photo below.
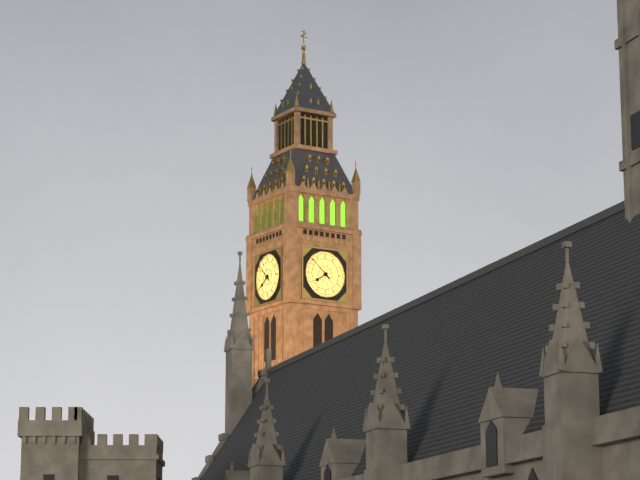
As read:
7:52
